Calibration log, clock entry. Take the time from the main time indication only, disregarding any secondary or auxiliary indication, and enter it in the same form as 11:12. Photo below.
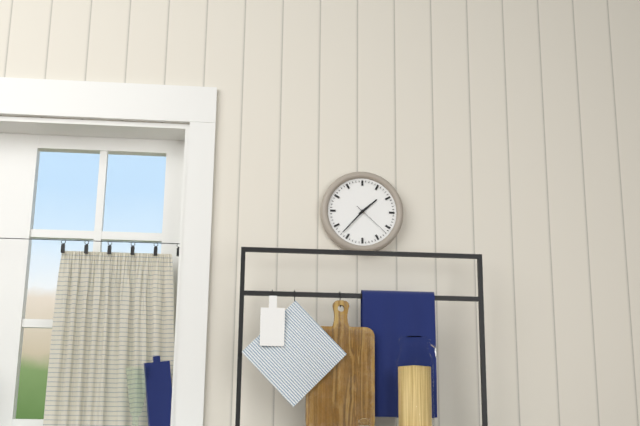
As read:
1:37
